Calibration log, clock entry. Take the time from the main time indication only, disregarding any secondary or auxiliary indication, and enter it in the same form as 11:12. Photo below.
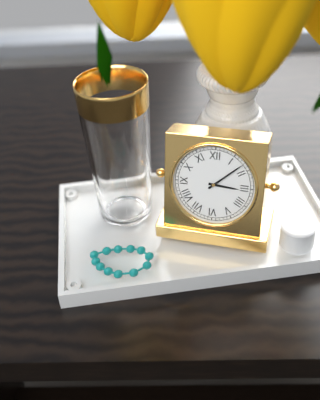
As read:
3:08
